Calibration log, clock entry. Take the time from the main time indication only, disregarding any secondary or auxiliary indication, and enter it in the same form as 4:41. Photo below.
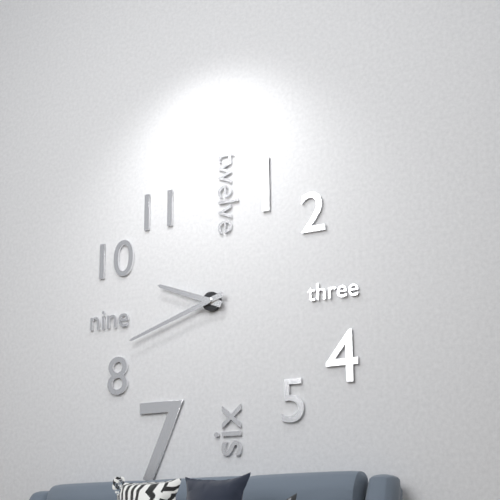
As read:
9:42
